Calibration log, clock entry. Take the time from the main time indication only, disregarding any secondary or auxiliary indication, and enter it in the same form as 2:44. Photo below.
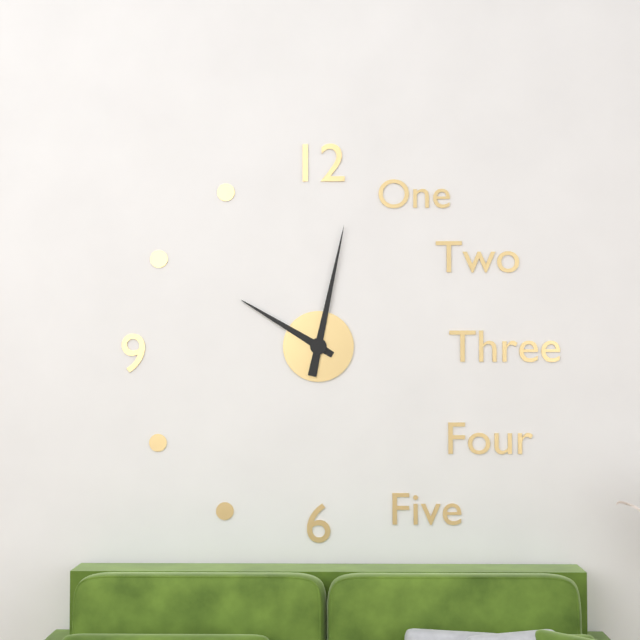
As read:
10:02
